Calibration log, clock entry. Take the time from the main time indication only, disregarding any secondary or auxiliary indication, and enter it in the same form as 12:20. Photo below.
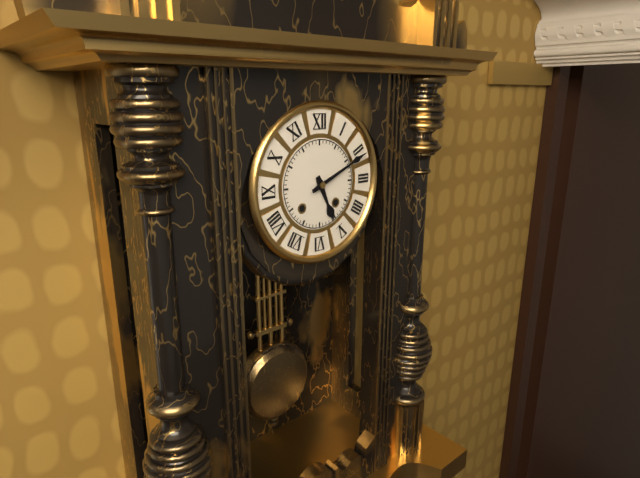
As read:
5:11
